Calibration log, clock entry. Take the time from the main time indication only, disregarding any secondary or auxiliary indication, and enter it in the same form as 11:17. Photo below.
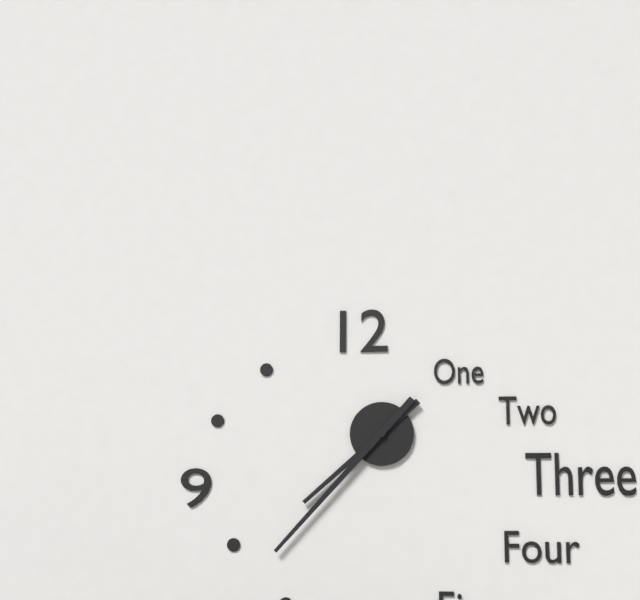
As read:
7:37
